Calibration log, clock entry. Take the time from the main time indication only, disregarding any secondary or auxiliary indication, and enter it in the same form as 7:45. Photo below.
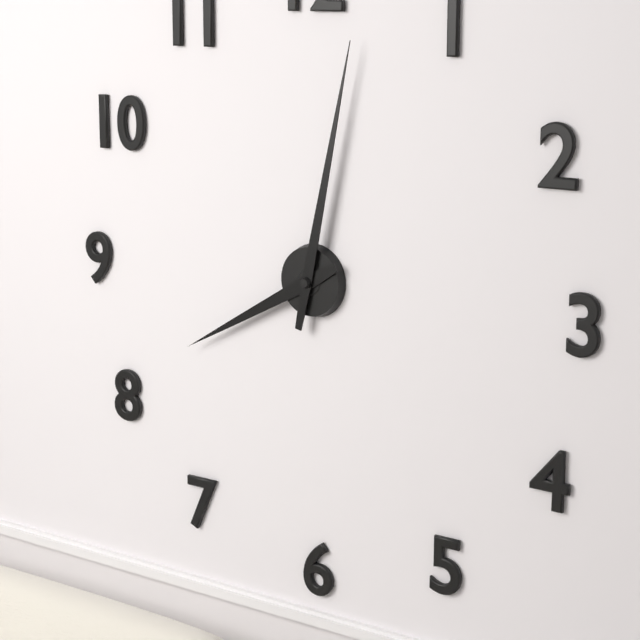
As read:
8:02
